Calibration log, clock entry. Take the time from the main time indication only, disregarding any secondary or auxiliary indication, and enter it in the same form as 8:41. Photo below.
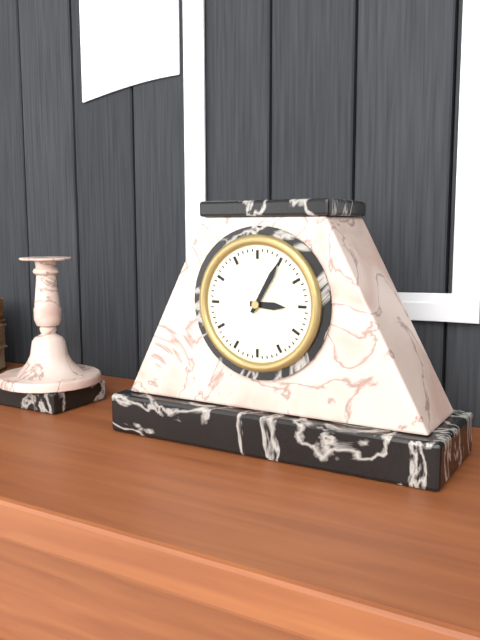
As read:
3:05
